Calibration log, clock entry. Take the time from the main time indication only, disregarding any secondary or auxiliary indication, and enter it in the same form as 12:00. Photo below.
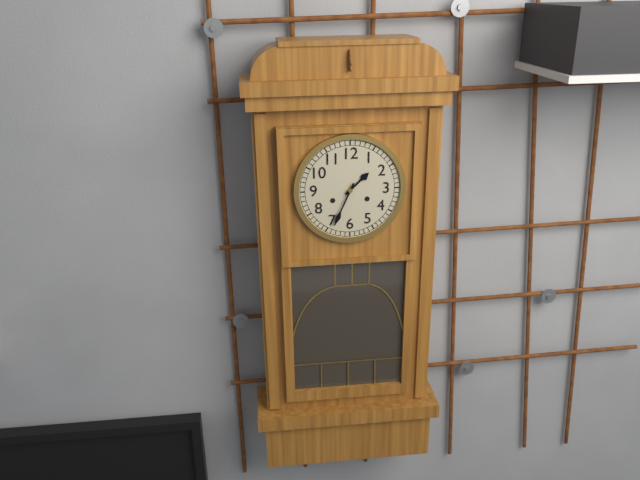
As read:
1:34
